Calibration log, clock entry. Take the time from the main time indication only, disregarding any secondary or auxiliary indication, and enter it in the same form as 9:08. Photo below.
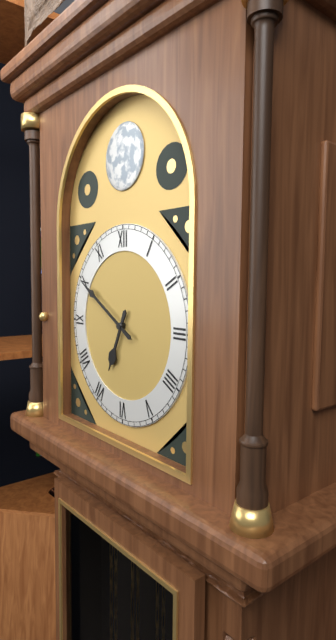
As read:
6:50
